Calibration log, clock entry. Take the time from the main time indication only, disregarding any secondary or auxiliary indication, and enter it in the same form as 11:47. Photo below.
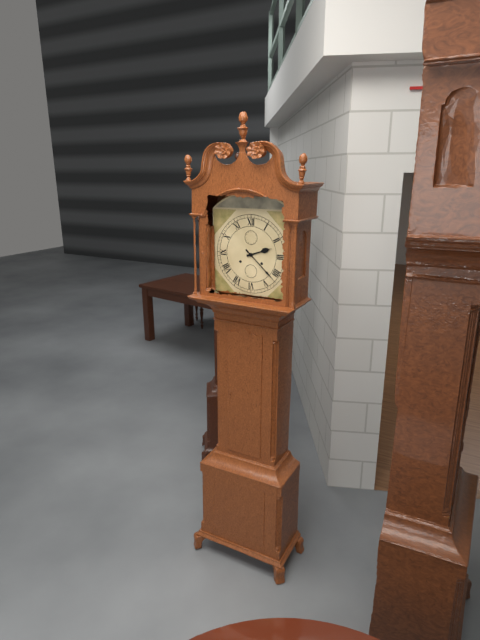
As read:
2:22
